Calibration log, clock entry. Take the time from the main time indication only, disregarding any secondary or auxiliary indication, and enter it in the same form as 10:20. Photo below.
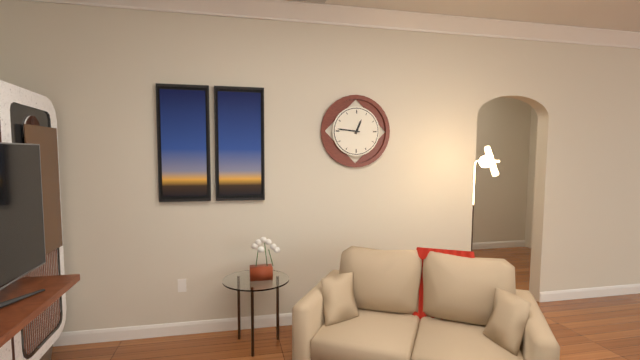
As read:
12:46
